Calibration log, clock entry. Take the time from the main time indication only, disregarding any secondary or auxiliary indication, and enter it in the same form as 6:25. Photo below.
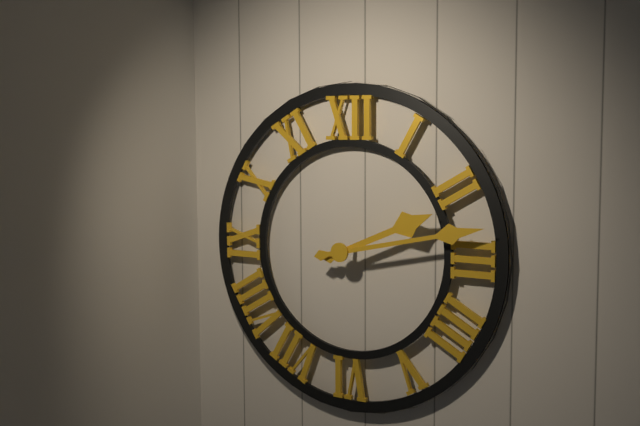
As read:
2:13
